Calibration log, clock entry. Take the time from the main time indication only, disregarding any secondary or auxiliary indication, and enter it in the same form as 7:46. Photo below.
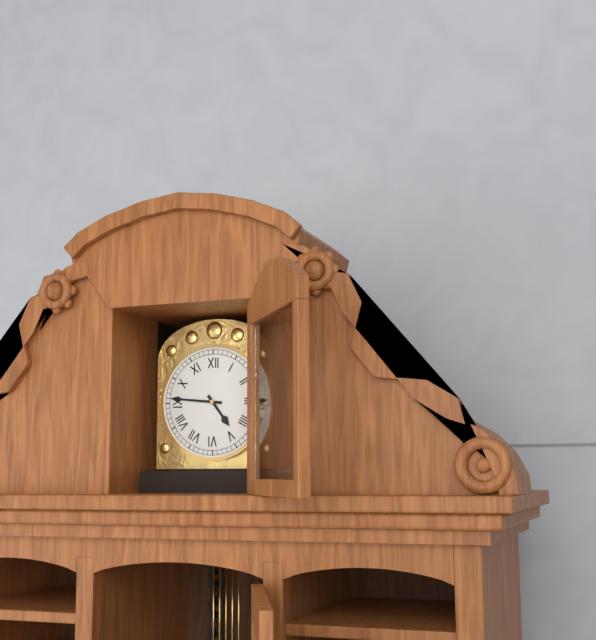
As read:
4:46
